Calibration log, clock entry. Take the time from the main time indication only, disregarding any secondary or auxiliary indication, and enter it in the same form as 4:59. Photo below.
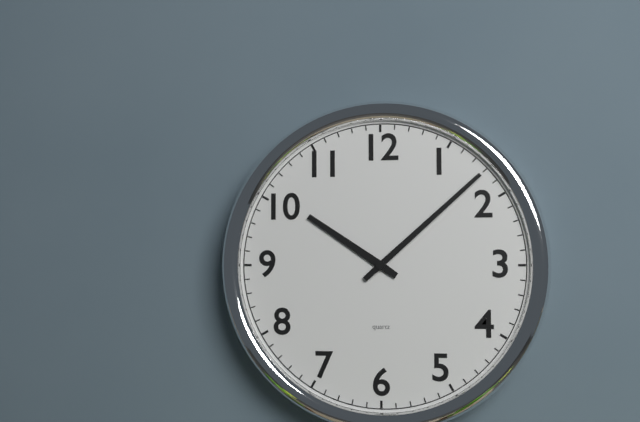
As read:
10:08
